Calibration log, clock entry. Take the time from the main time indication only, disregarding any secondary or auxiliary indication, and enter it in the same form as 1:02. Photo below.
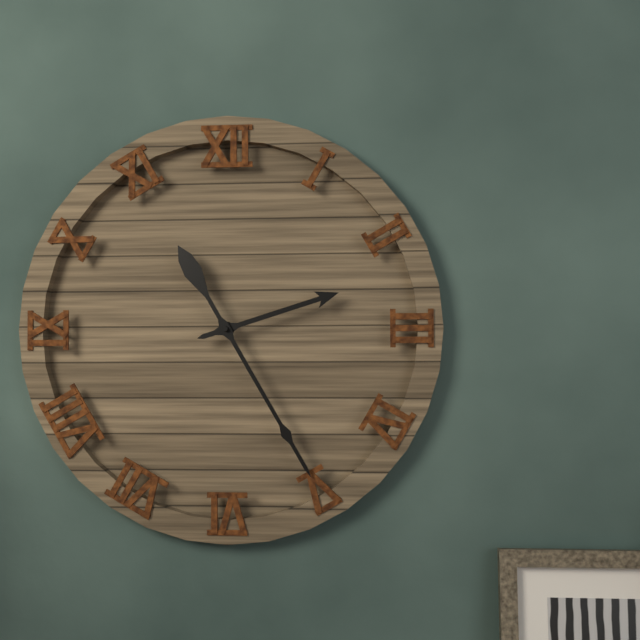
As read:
2:25
